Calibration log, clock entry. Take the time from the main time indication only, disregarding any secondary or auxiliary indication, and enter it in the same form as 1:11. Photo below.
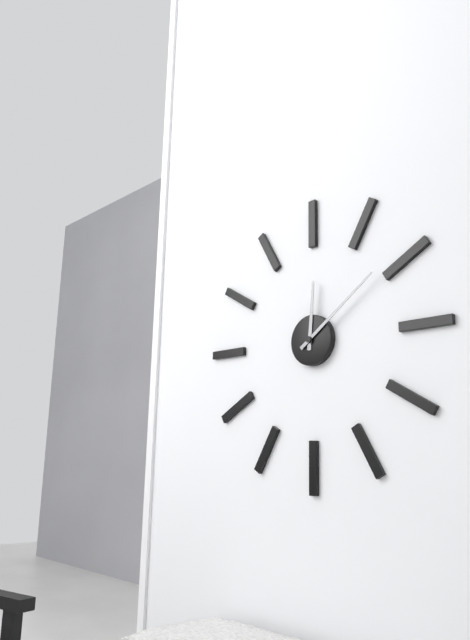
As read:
12:09
